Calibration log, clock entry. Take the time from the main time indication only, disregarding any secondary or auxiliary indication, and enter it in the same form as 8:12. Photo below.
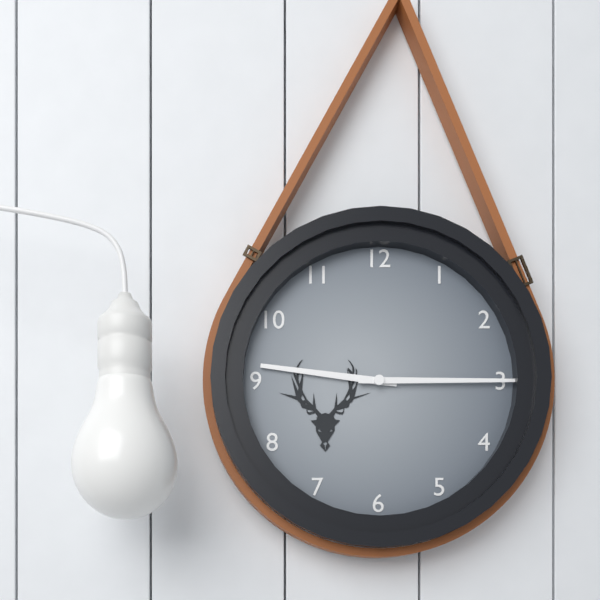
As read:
9:15
